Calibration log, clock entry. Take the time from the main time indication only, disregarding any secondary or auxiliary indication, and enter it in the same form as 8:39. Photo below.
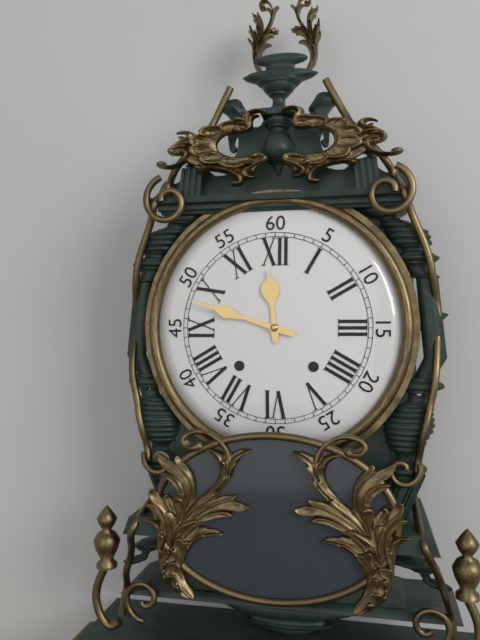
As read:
11:48
